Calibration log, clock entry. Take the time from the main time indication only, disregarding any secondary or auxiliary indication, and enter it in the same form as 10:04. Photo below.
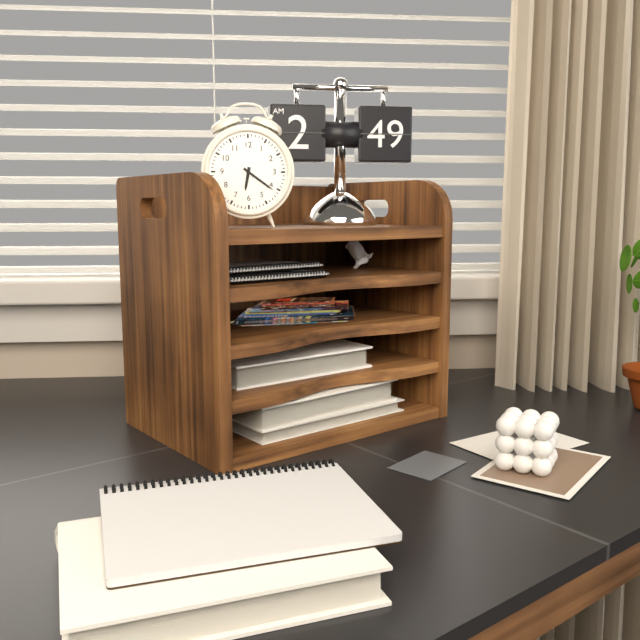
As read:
6:21
